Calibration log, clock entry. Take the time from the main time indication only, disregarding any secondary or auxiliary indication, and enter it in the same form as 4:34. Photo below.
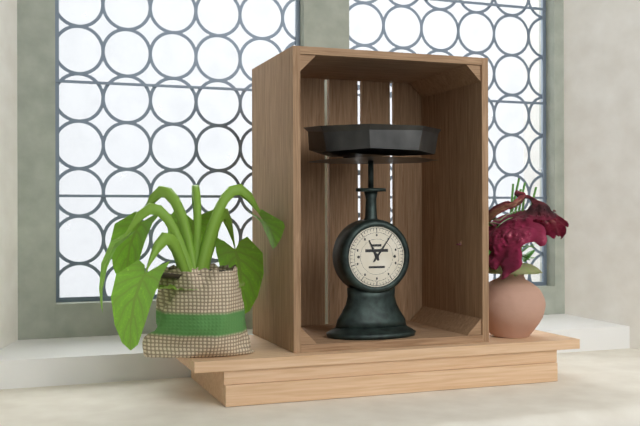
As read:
11:06
